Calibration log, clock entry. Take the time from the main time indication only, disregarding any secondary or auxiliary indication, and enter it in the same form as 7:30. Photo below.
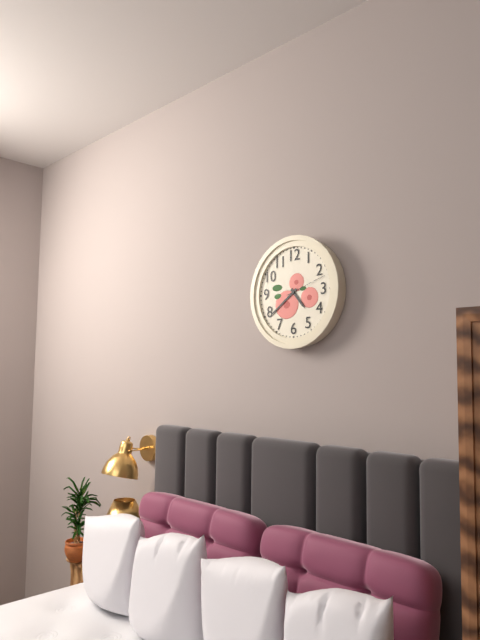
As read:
4:39
